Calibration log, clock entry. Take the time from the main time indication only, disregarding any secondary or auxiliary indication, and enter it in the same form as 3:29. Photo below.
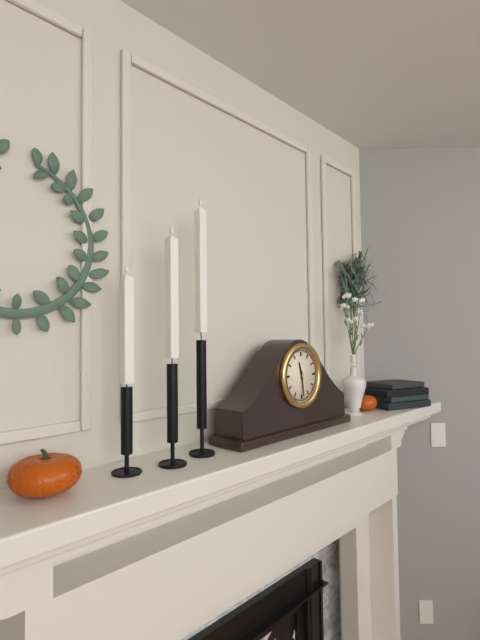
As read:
11:29
